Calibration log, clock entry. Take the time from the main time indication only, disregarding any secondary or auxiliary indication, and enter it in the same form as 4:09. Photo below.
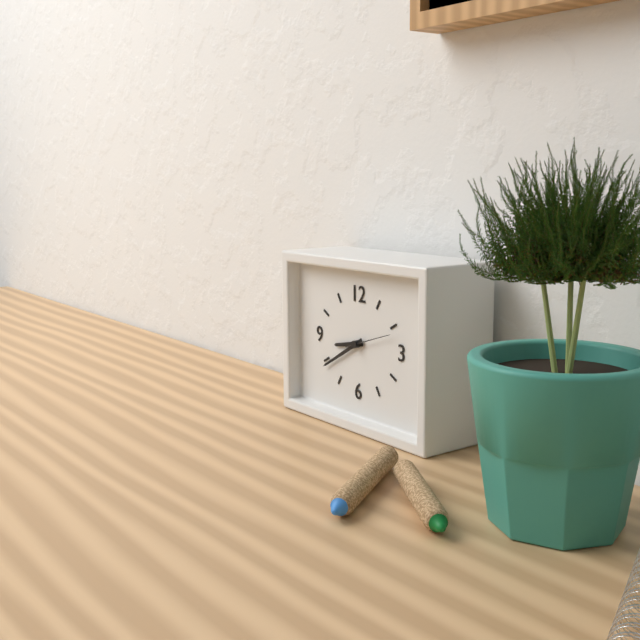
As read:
8:40
